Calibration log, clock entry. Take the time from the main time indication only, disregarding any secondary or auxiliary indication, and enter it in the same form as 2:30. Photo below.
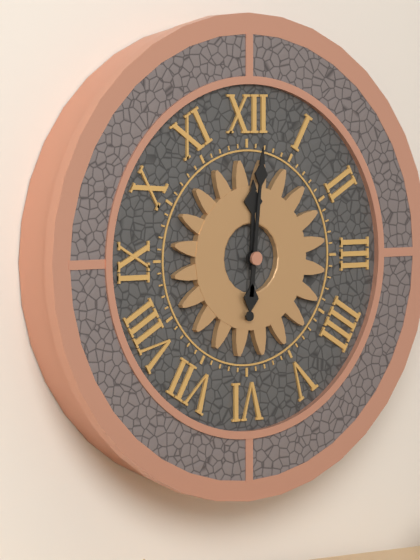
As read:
12:01
